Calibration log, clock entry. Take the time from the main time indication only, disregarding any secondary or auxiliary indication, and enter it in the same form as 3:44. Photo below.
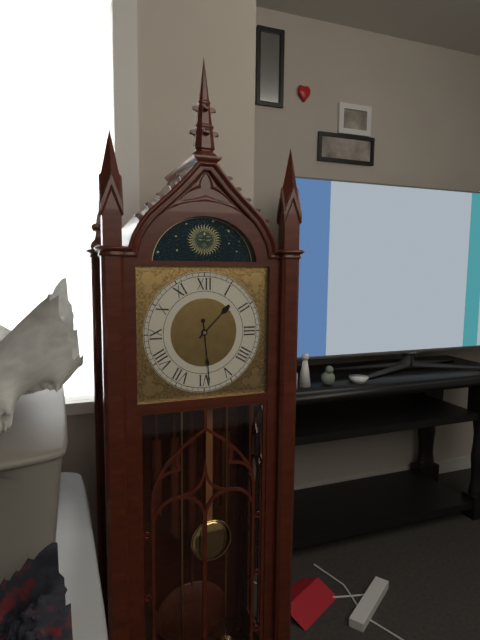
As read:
1:29
